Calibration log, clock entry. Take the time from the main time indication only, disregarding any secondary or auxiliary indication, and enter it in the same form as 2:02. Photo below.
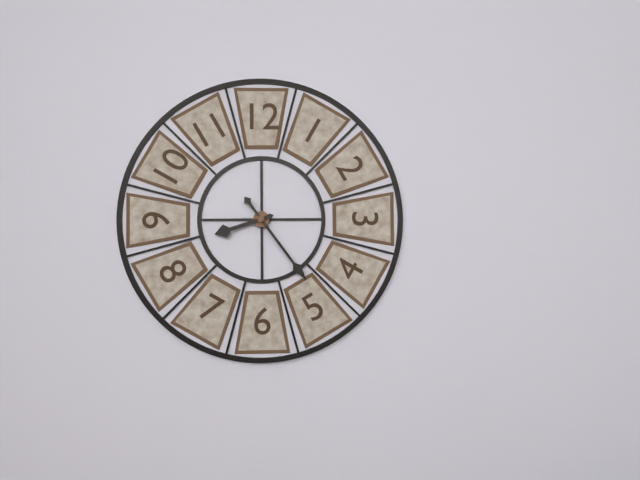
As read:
8:24
